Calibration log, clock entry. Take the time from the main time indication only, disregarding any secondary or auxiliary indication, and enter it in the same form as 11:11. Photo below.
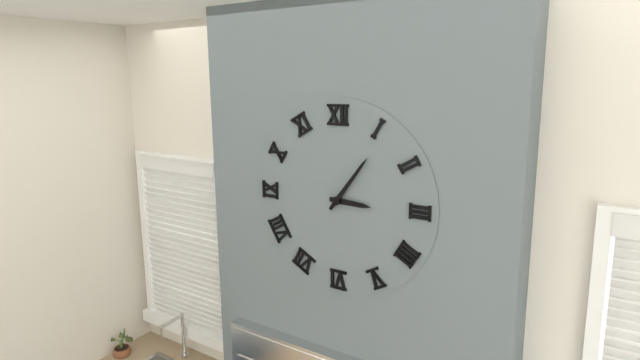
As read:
3:06
